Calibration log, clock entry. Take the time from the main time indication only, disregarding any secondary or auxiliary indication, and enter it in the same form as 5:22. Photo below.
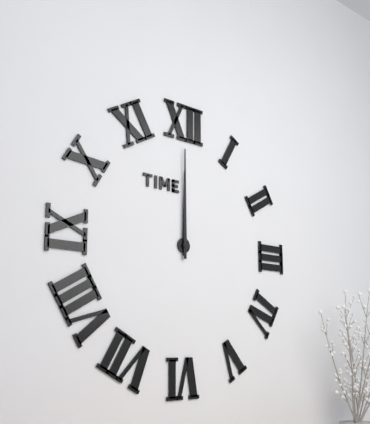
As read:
12:00
